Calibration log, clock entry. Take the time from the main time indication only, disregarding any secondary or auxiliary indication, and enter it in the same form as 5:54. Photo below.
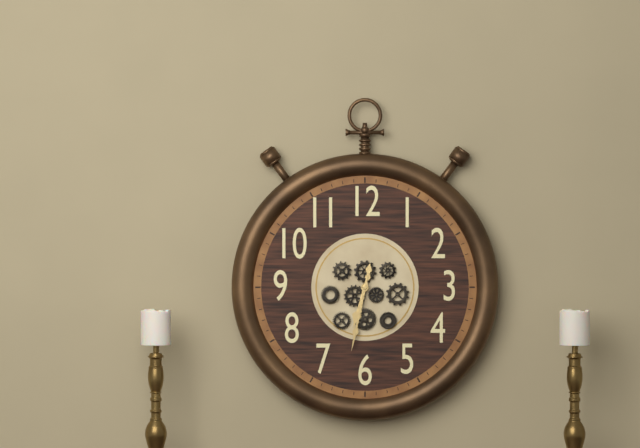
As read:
6:32
